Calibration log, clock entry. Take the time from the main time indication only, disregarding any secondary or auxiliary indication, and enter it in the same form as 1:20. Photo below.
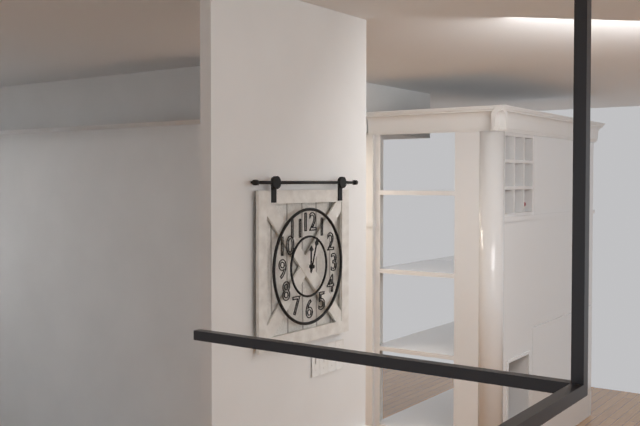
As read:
12:03
